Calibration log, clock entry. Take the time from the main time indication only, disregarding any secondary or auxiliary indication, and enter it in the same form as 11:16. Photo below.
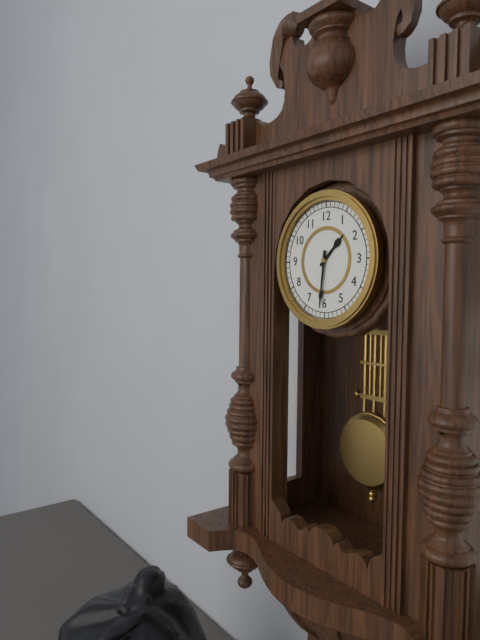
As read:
1:31
